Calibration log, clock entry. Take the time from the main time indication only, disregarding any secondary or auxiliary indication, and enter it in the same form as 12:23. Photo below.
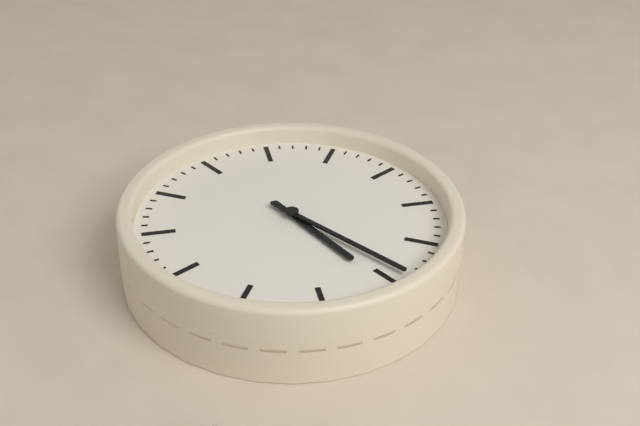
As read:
2:09
